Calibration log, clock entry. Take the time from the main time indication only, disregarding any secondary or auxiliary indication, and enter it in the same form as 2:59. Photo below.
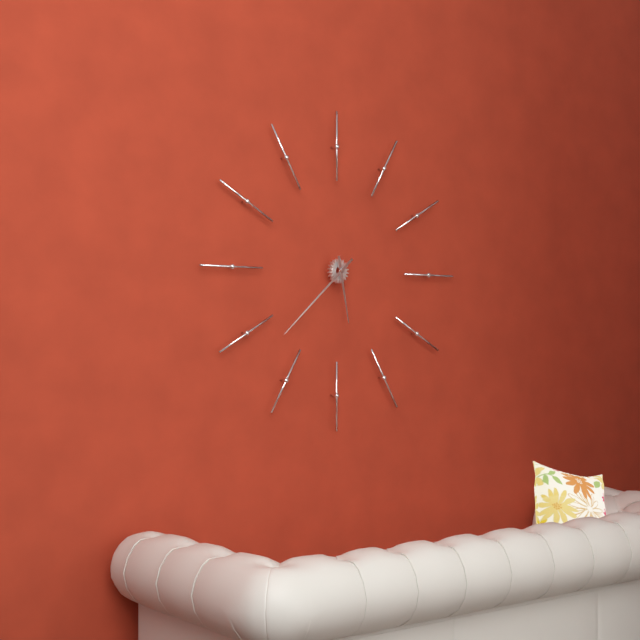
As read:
5:38
